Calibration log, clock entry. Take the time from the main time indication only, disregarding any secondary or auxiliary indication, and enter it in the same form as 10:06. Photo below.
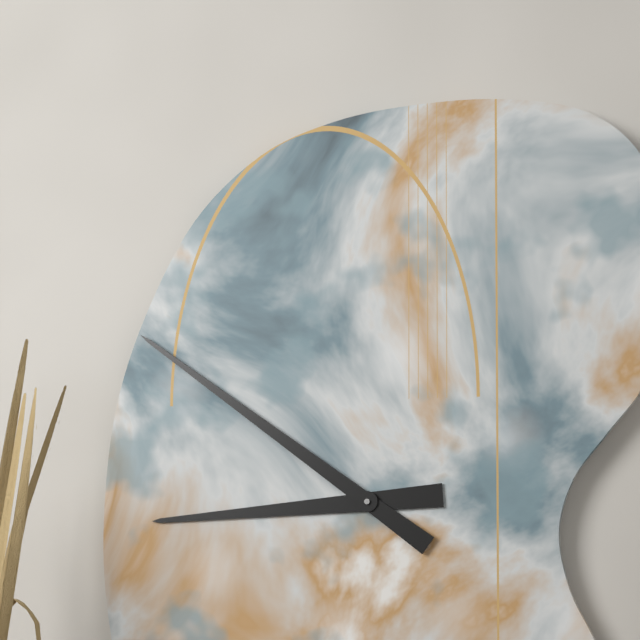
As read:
8:51
